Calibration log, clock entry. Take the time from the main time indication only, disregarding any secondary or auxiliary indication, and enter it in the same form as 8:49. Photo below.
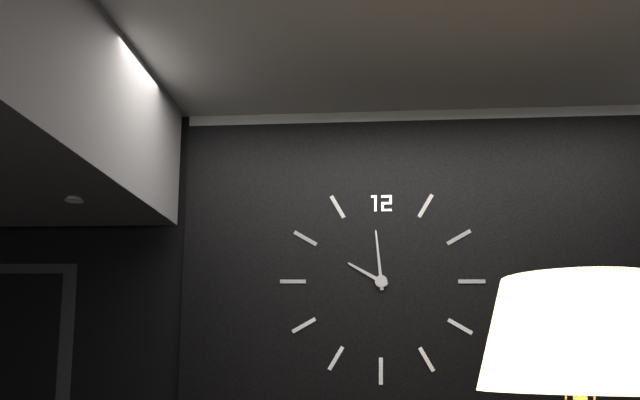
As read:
9:59
